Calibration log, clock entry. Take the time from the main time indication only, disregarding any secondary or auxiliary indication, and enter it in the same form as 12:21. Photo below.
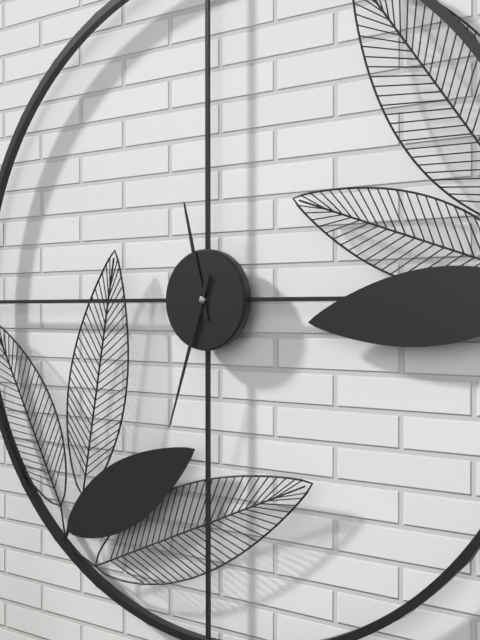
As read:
11:33
